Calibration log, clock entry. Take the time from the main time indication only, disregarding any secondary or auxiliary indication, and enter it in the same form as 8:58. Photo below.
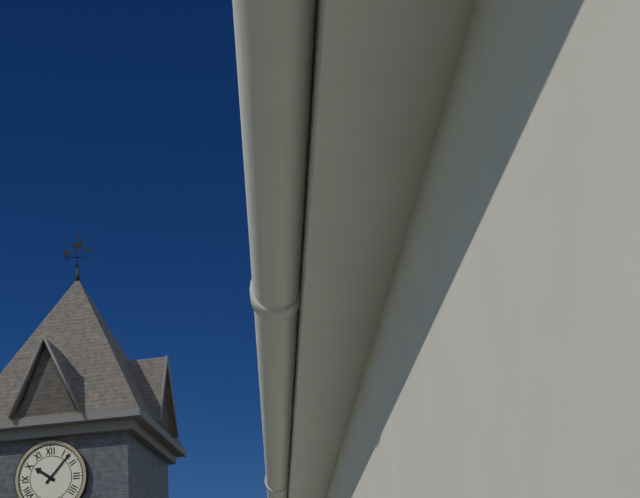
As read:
10:07
